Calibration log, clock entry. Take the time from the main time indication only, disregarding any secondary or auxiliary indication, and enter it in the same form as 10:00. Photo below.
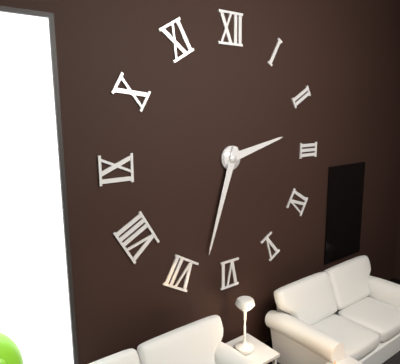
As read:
2:33
